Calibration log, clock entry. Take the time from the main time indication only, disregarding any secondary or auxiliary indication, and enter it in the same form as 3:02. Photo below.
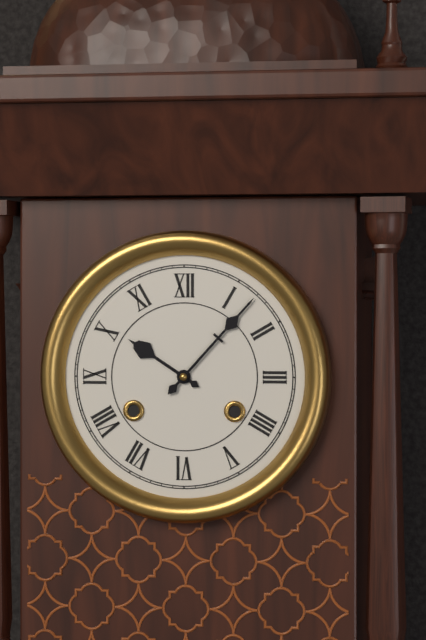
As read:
10:07
